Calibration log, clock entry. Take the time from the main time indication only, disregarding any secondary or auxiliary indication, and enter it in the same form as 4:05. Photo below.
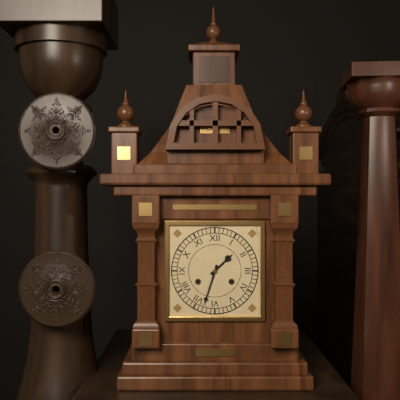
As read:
1:33
